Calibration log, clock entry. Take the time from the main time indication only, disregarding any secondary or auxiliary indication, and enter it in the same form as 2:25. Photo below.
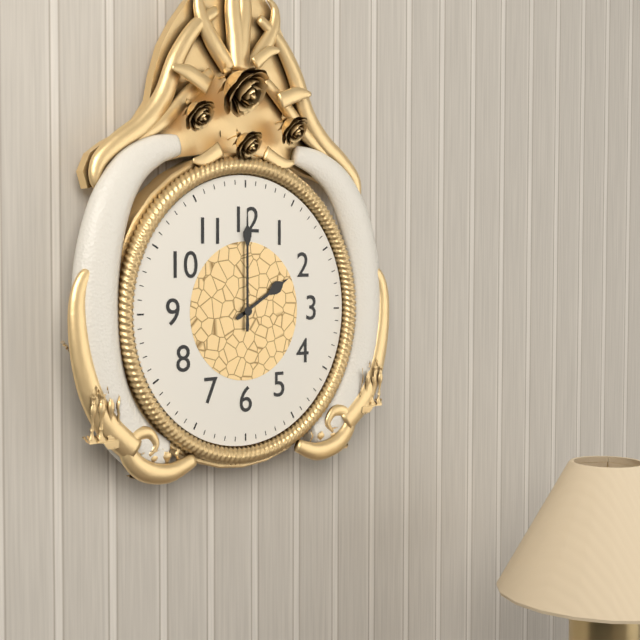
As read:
2:00
